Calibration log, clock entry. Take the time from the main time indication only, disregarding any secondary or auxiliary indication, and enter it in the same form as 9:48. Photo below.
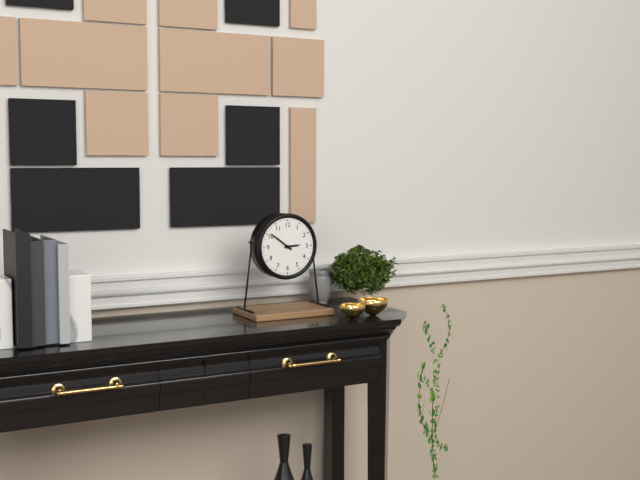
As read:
2:51
